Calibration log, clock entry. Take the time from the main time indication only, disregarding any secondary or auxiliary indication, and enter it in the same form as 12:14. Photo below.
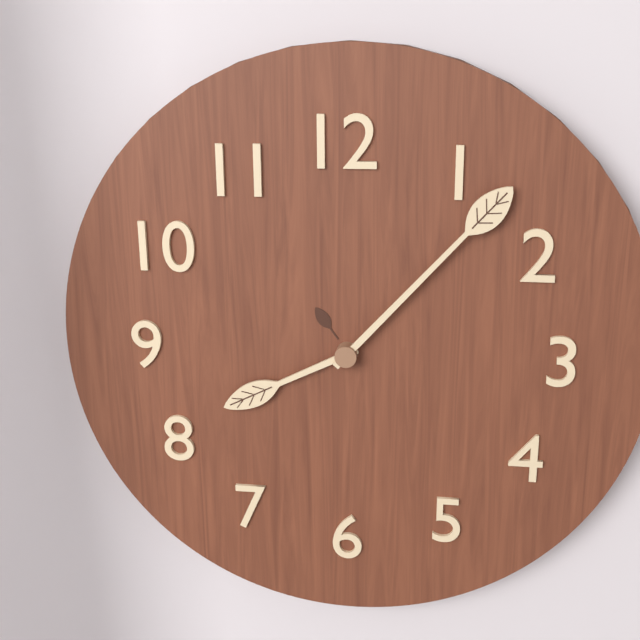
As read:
8:07
